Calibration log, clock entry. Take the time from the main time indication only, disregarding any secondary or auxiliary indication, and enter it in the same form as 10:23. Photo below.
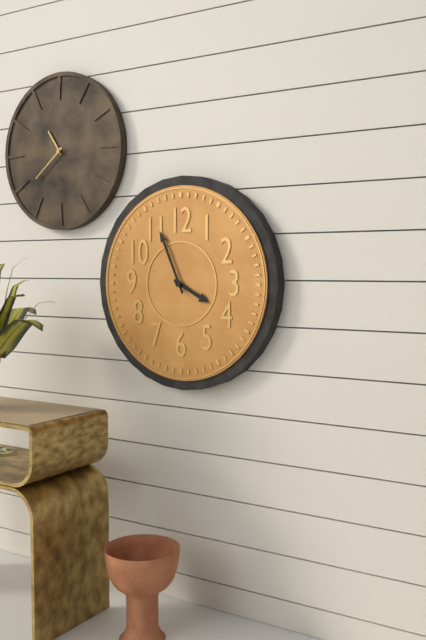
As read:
3:56
